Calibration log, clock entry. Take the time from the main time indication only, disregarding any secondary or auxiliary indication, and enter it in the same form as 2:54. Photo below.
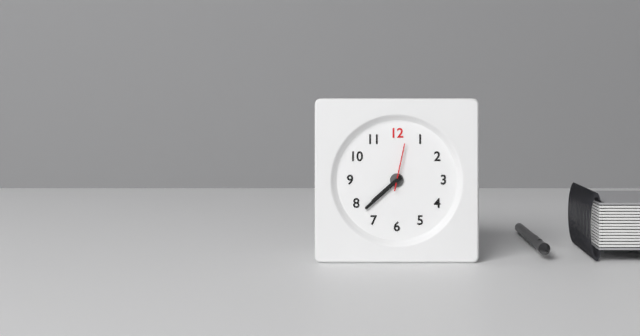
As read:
7:38
